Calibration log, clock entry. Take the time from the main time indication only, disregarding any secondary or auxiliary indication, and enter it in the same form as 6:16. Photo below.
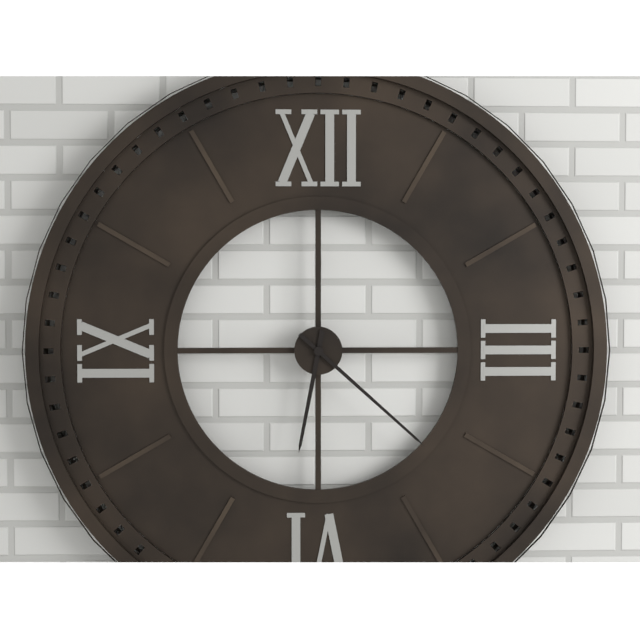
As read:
6:22
